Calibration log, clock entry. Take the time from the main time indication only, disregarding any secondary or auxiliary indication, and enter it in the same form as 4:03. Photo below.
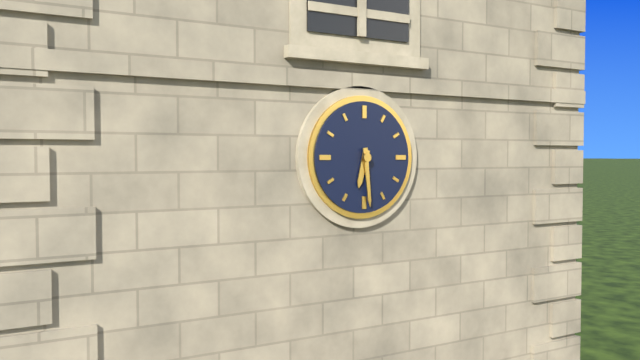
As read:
6:29
